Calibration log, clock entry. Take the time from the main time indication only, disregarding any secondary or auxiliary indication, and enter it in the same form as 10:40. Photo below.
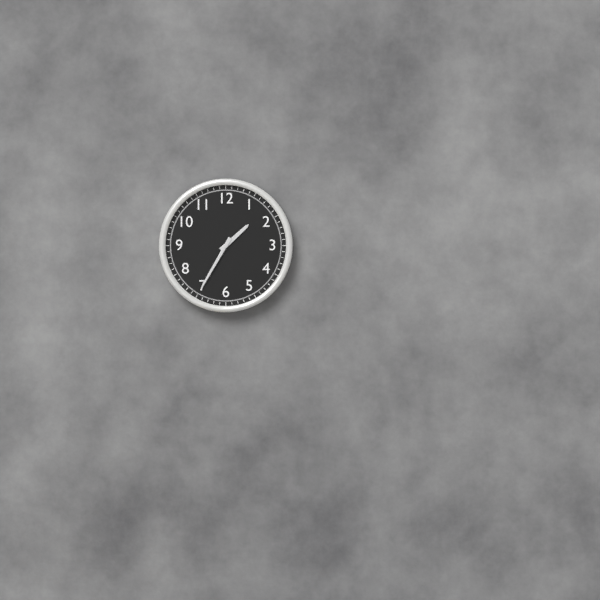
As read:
1:35
